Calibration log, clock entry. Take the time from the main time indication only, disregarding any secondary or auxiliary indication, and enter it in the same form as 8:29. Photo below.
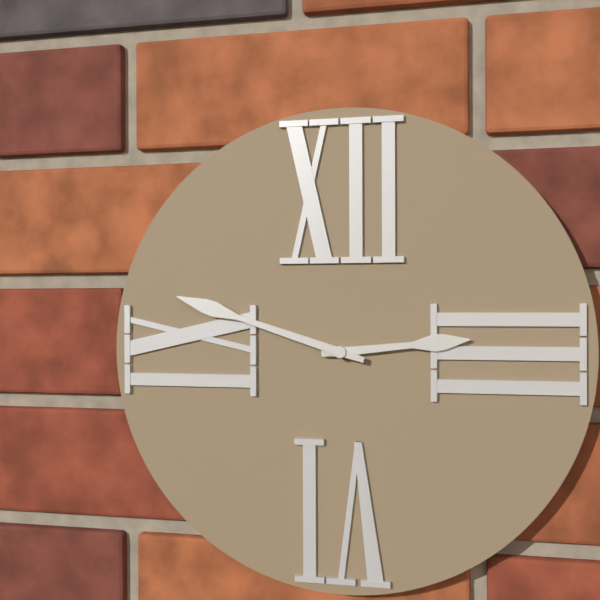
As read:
2:48
